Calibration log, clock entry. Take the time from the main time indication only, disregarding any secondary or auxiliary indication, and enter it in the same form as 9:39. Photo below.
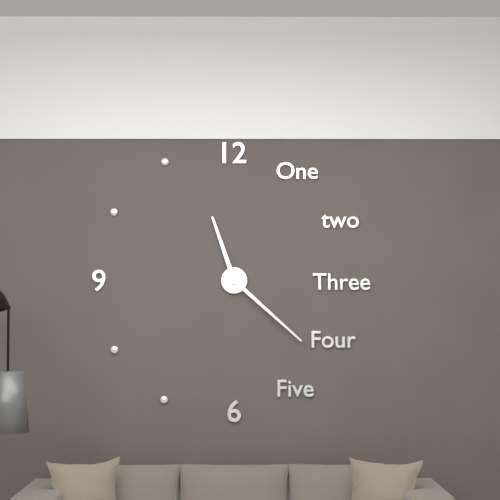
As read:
11:22
